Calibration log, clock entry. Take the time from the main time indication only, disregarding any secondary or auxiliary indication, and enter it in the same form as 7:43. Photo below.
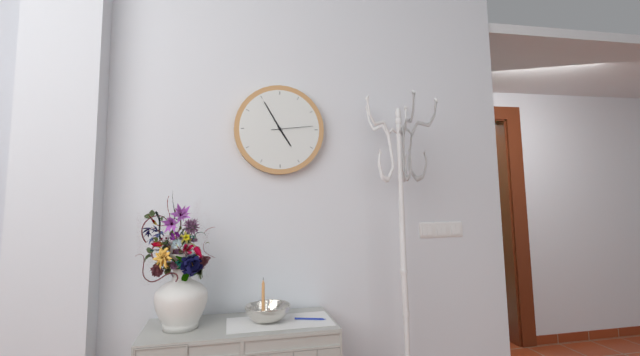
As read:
4:55
